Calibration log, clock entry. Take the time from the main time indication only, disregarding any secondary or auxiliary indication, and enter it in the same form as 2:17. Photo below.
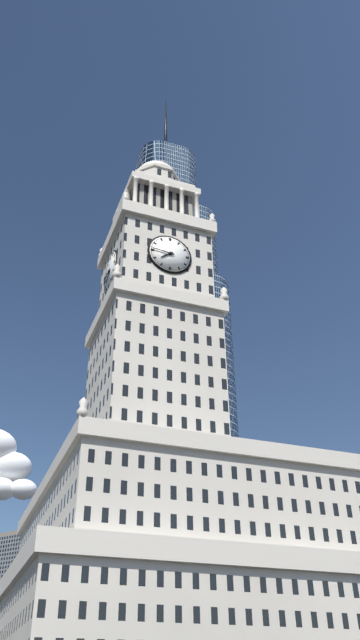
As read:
7:46
